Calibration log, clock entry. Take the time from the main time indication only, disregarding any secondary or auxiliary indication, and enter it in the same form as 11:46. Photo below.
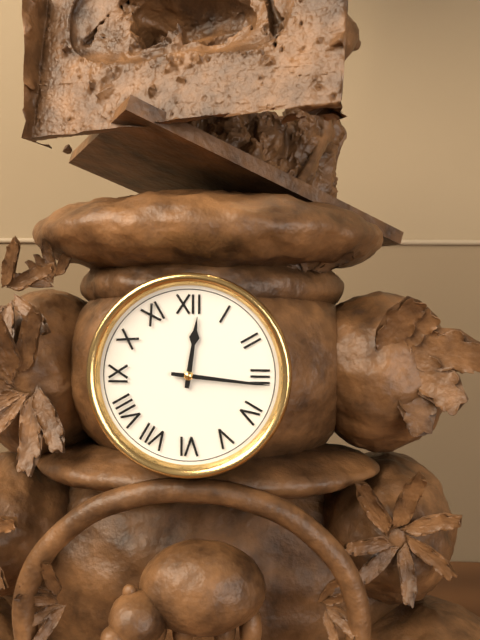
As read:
12:16
